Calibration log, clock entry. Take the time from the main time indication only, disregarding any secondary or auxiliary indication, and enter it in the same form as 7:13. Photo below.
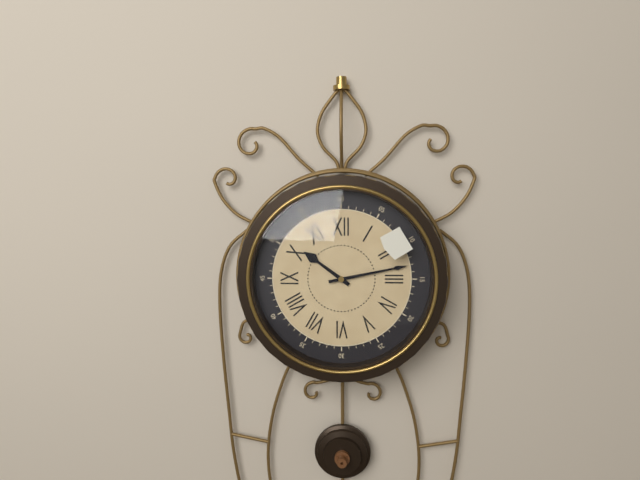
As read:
10:13
